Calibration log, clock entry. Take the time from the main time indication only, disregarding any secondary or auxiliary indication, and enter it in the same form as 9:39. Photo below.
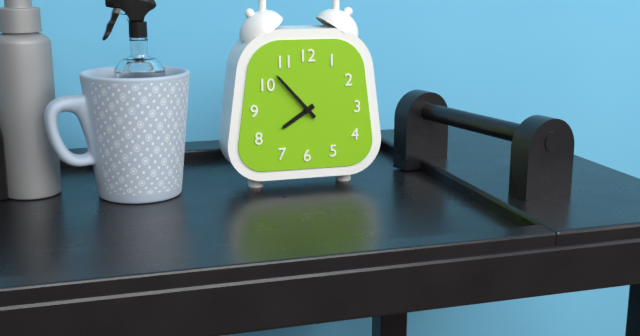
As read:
7:53
